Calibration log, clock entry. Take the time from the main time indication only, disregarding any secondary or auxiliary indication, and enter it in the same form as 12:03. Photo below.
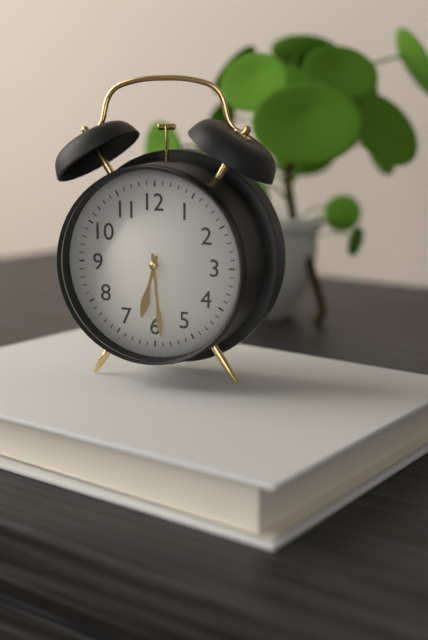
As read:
6:29
